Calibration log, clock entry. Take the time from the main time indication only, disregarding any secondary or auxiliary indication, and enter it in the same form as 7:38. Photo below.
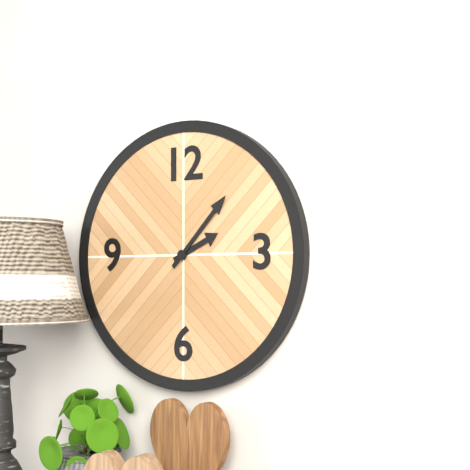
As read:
2:07
